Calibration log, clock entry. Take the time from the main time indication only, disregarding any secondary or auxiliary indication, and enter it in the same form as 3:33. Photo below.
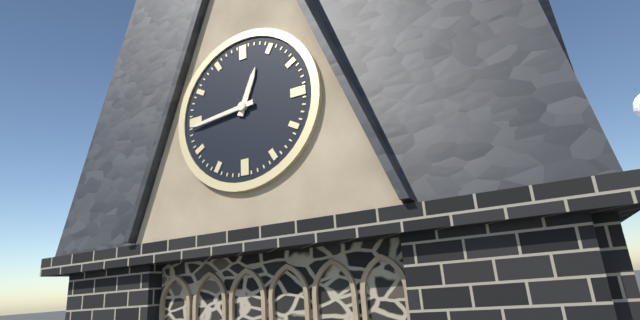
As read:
12:44
